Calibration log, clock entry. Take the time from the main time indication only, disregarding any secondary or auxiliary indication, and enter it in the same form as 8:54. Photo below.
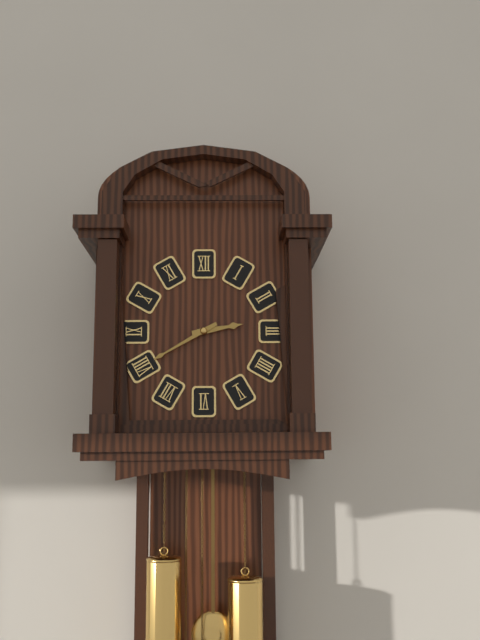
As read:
2:40
